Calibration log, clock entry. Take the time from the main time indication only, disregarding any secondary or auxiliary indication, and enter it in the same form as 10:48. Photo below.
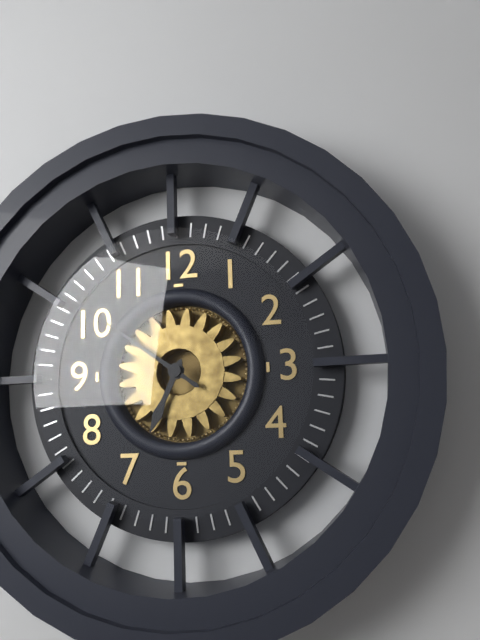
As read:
6:51
